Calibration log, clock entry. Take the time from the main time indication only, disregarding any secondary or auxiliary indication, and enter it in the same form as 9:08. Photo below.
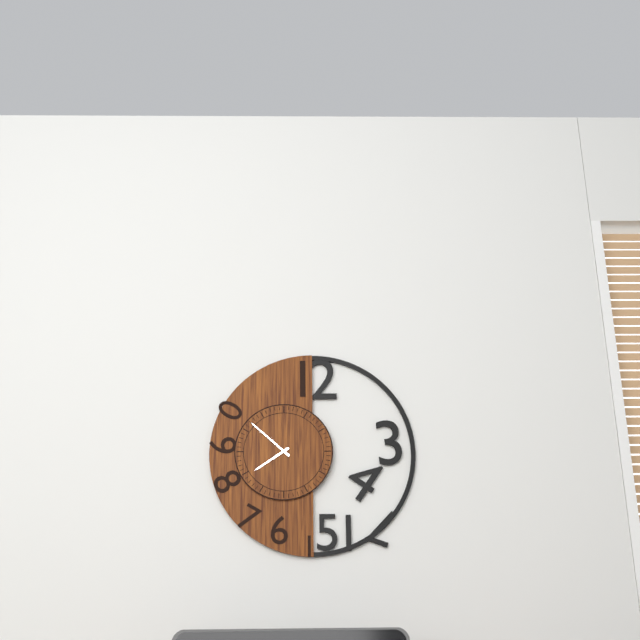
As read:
7:52
